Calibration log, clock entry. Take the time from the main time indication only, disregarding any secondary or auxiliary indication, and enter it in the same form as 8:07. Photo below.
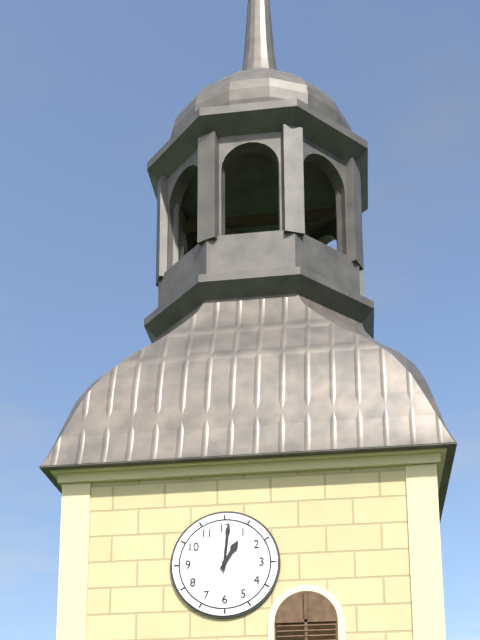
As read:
1:01
